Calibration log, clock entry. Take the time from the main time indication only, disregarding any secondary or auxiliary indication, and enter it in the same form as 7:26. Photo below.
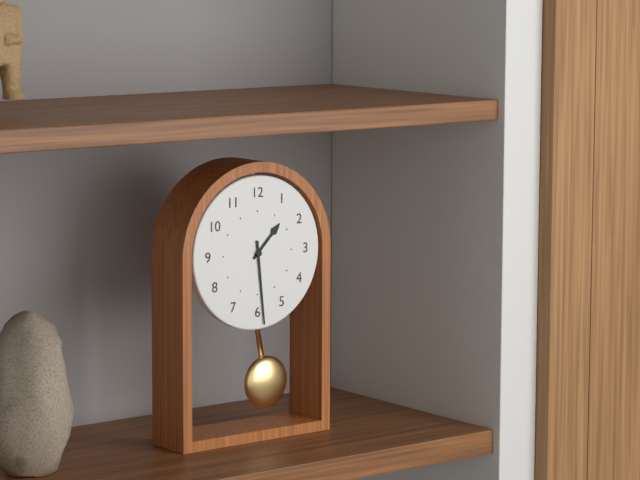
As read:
1:29
